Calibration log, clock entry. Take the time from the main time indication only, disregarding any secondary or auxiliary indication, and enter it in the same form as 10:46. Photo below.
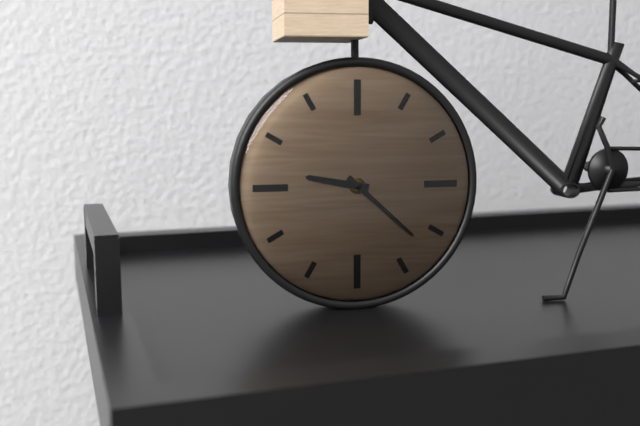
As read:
9:22
